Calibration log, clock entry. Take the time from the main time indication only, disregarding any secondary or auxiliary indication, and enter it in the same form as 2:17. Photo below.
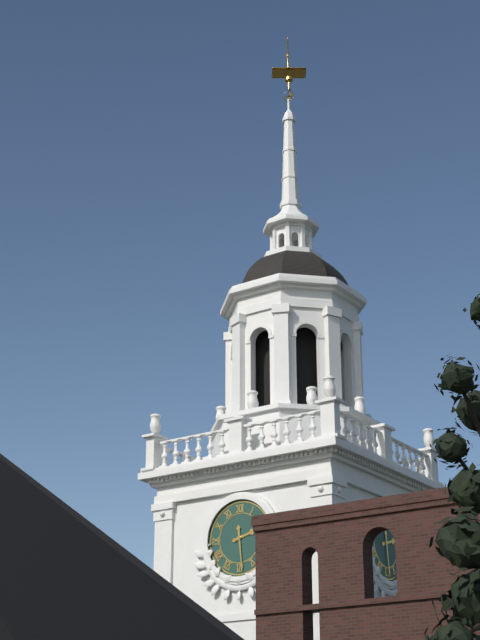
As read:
2:29
